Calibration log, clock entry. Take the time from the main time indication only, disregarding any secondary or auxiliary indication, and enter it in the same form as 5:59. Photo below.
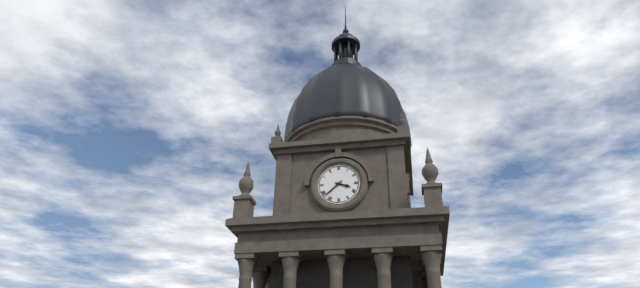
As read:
3:38
